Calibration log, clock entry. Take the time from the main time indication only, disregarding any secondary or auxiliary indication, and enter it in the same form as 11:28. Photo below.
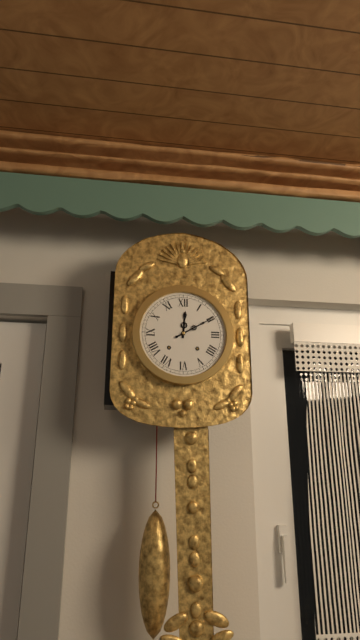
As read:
12:10
